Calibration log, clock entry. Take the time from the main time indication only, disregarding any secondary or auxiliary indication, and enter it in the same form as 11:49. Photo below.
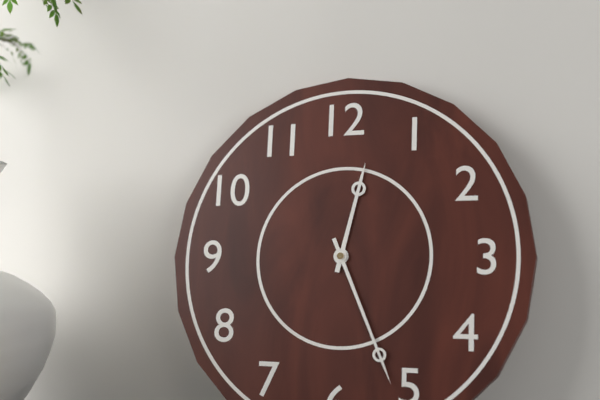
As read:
12:26
